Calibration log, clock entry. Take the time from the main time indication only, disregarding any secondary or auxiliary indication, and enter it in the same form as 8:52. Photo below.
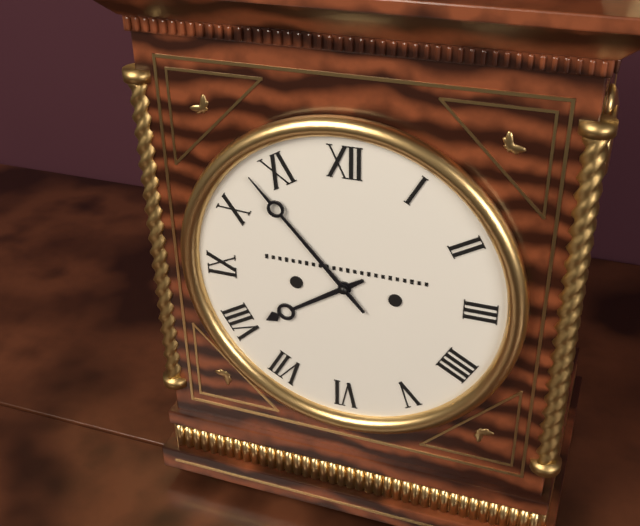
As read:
7:53
